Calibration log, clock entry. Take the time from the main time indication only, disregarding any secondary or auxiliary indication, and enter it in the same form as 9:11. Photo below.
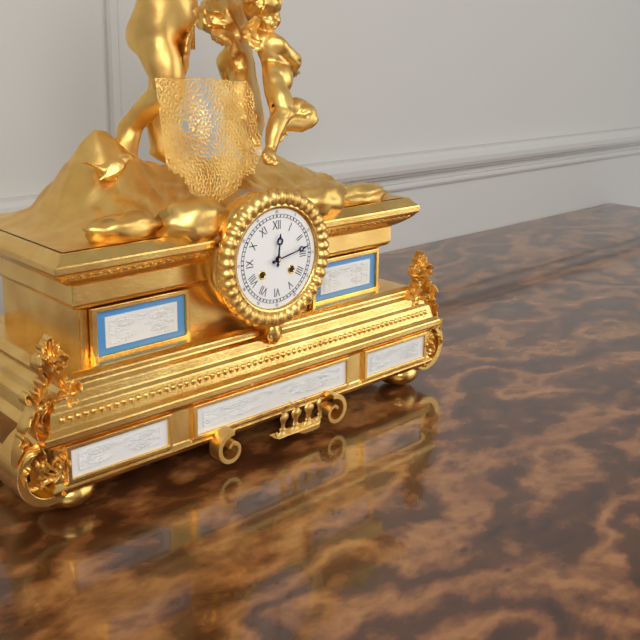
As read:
12:13
